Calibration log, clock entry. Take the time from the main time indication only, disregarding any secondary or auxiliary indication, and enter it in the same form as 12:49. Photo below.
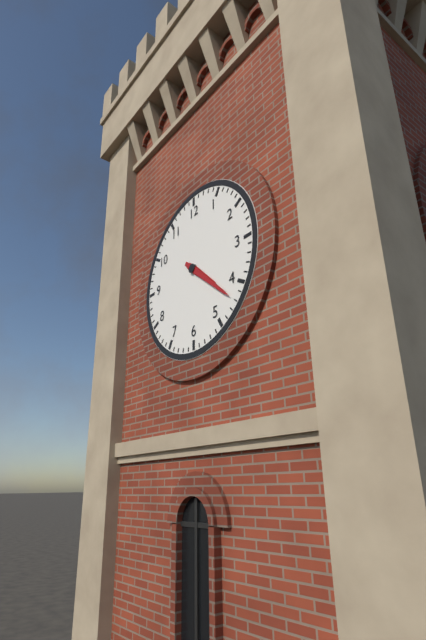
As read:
4:22
